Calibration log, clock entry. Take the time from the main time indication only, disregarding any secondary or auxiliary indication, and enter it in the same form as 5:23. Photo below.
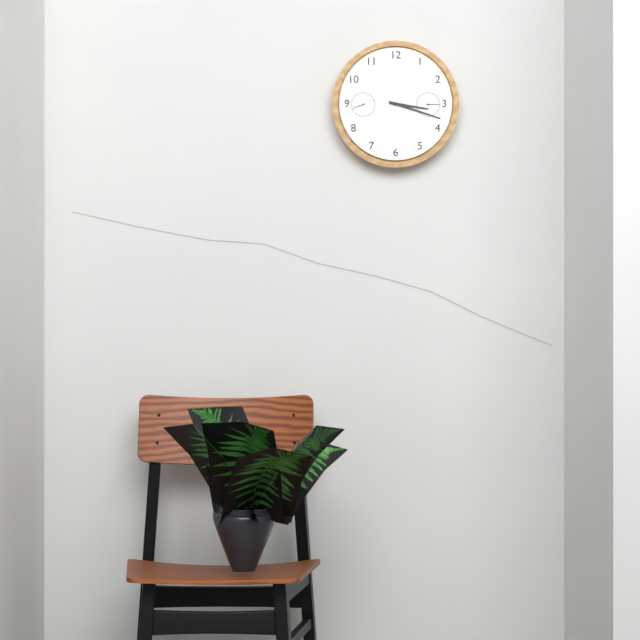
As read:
3:18
